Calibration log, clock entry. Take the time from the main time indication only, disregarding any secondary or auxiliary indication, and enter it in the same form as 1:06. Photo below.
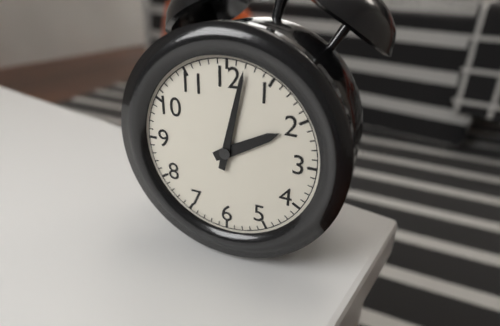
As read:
2:02
